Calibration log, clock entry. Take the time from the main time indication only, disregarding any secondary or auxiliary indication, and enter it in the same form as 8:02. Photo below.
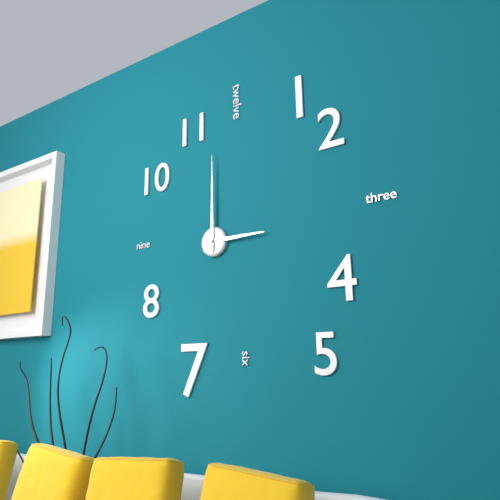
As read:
3:00
